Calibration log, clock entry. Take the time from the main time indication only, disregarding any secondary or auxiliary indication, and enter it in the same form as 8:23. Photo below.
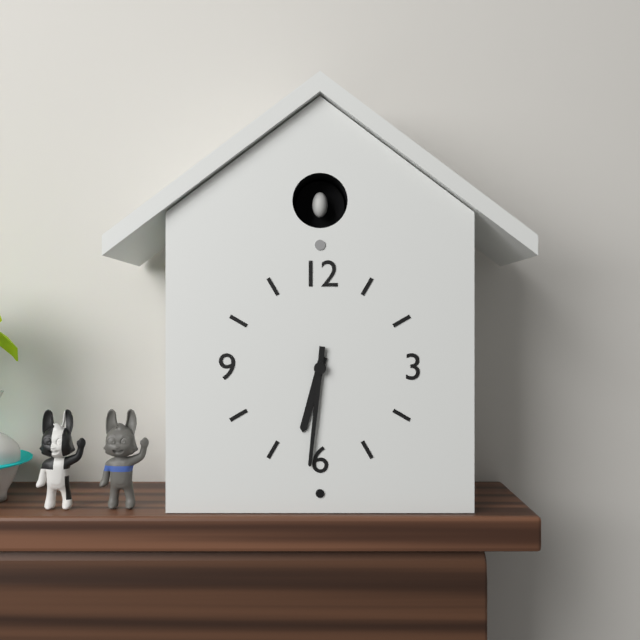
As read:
6:31
